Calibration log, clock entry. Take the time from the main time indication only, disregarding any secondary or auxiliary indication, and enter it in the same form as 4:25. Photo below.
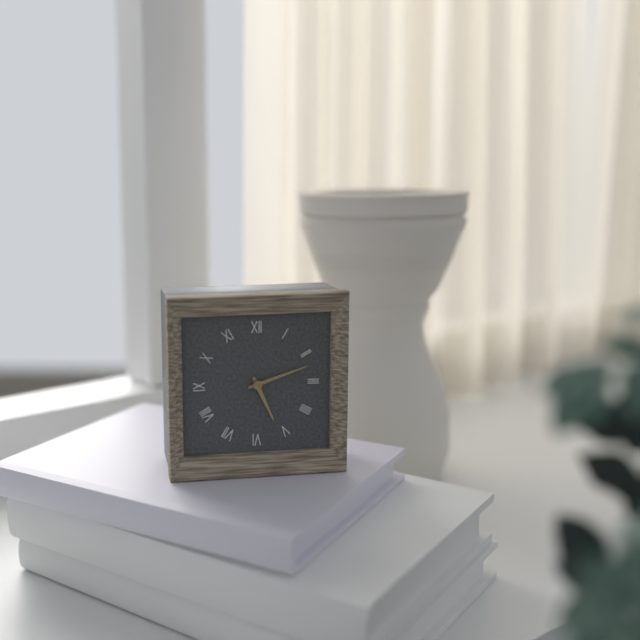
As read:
5:12
